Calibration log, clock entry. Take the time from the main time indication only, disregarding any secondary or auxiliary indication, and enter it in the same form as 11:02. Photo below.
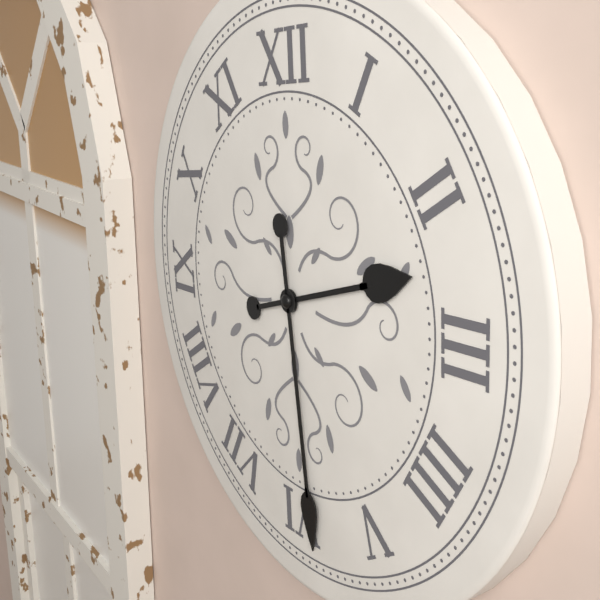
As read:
2:29
